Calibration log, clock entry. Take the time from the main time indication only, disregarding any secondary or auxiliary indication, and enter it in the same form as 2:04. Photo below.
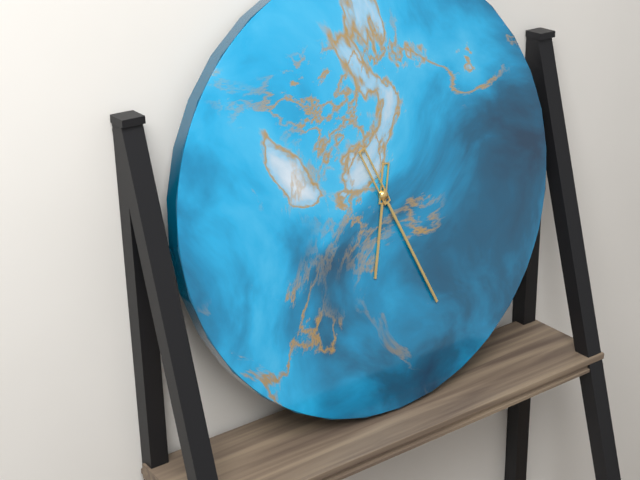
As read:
6:26
